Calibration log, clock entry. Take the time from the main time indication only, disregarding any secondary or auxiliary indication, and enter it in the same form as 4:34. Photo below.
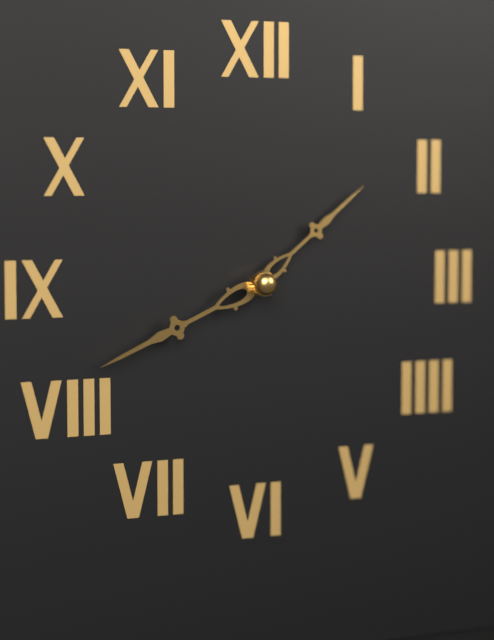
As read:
1:41
